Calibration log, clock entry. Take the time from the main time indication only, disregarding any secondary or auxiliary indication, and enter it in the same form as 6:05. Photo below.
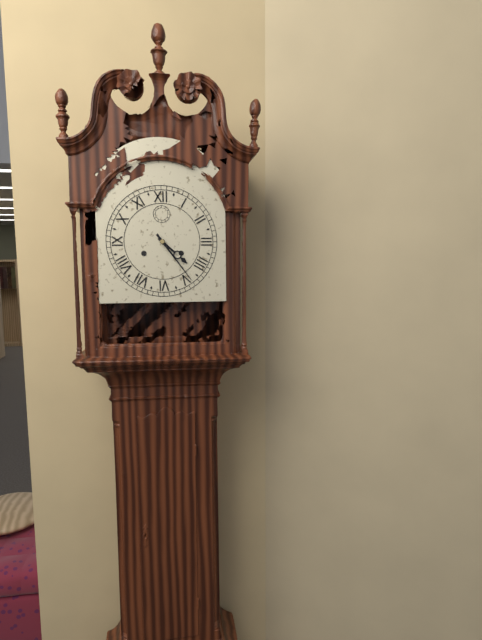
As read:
4:24
